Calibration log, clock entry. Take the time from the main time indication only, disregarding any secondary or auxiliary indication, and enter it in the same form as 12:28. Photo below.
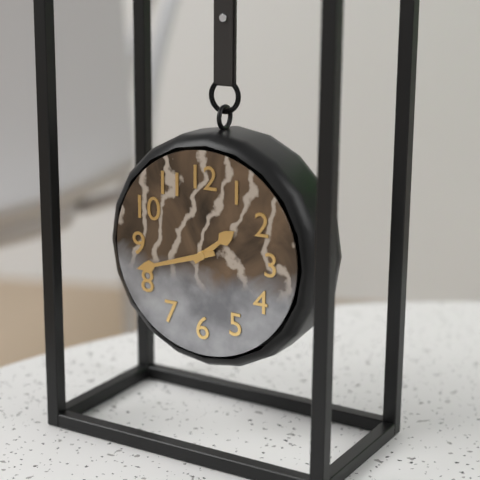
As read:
1:42
